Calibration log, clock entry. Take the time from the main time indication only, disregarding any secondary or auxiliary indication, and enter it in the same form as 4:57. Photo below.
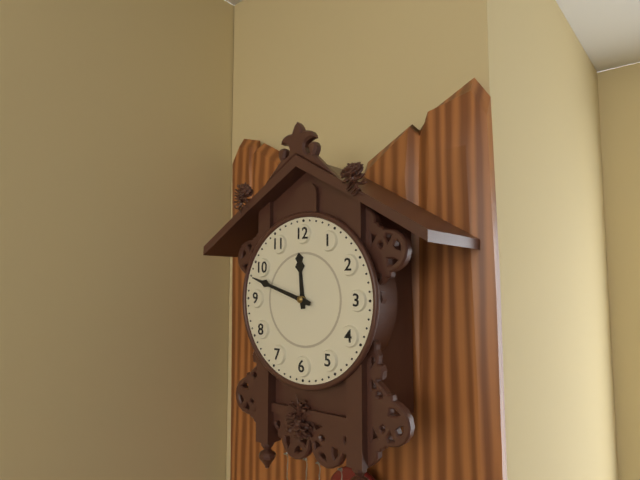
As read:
11:48
